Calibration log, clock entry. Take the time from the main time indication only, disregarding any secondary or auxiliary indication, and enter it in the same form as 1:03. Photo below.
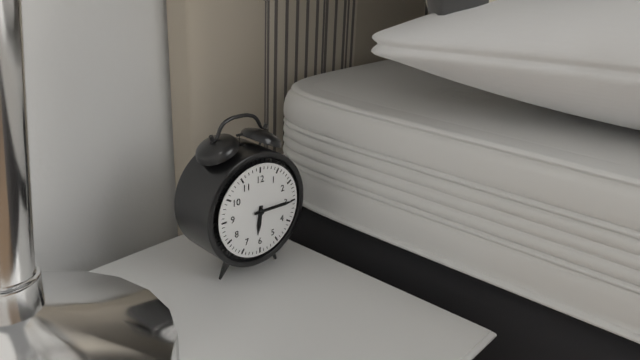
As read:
6:15
